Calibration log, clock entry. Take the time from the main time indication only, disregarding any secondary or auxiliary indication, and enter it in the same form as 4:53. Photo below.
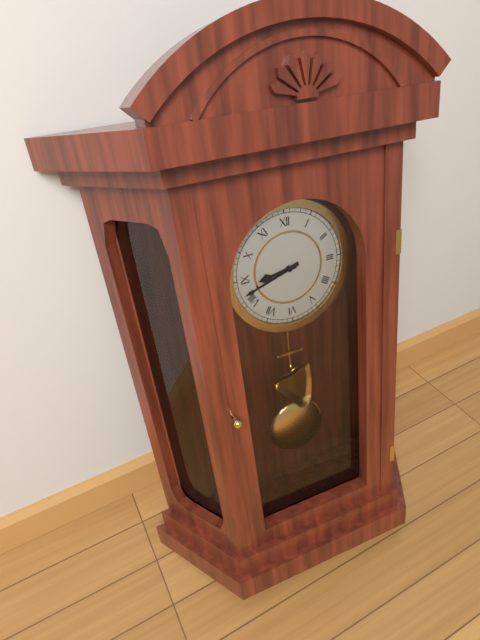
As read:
8:42
